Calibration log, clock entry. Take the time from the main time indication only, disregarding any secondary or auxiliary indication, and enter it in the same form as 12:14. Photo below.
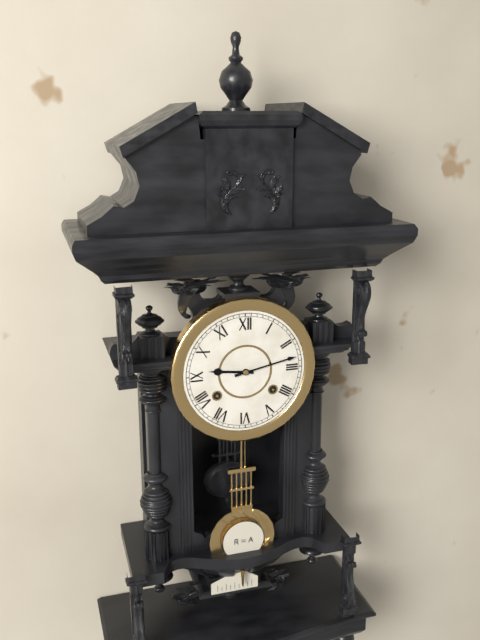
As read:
9:13
